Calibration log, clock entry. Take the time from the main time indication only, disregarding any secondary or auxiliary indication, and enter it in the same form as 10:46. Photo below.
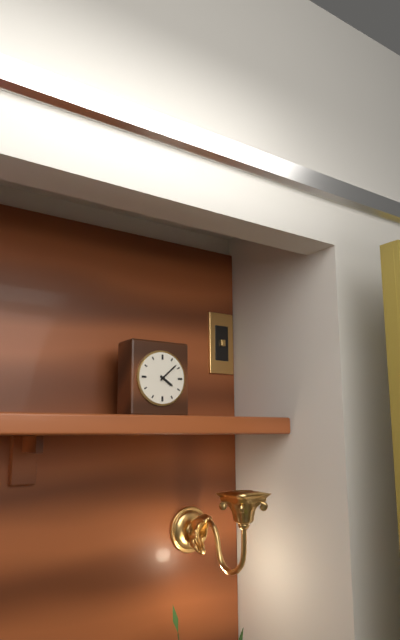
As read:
4:08
